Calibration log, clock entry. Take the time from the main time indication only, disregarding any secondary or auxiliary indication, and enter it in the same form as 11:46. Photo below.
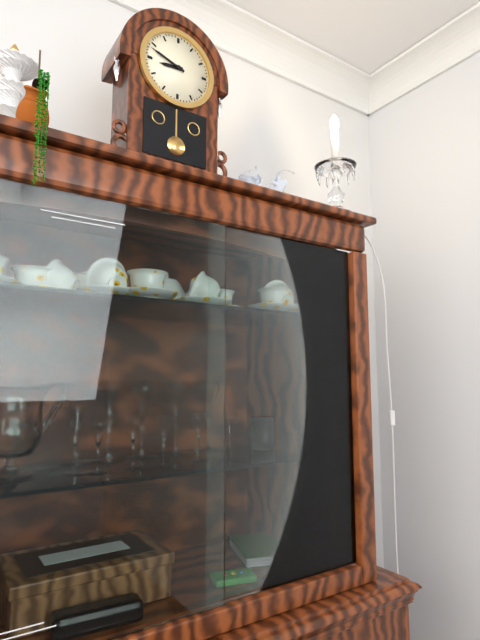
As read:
8:48
